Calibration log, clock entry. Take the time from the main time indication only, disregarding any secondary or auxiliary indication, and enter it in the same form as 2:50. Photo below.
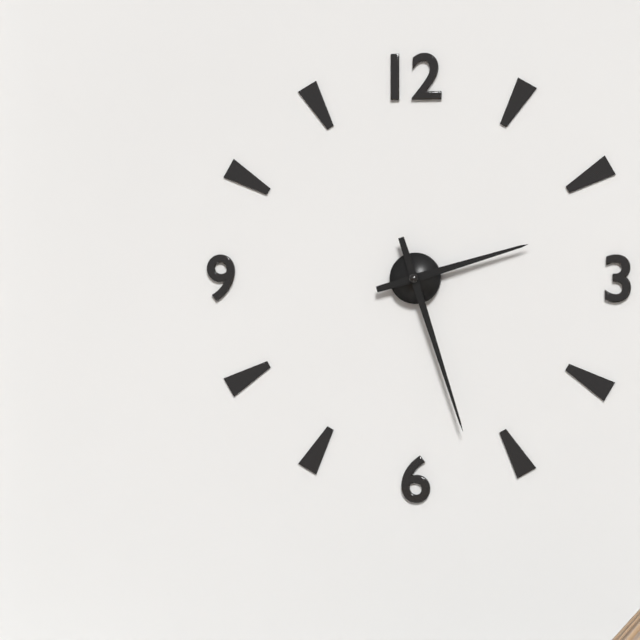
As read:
2:27
